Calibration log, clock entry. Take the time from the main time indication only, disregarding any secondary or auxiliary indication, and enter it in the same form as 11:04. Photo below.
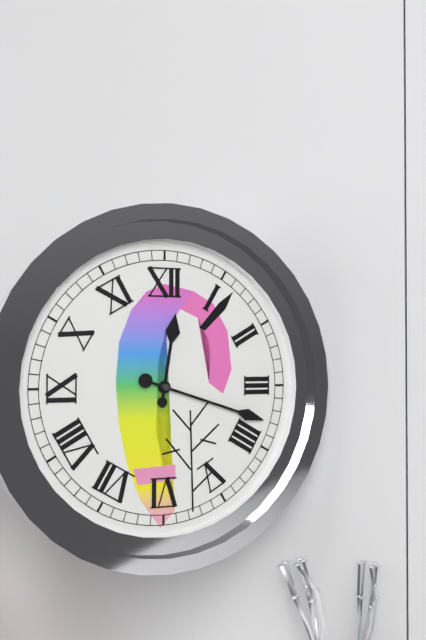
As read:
12:18
